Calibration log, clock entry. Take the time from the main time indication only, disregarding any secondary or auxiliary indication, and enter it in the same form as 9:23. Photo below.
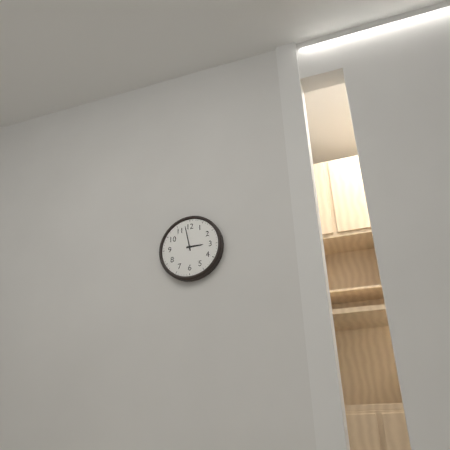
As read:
2:58
